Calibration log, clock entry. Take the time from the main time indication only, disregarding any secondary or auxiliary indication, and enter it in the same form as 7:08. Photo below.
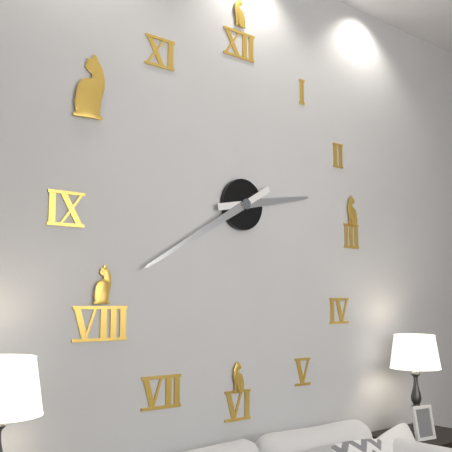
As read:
2:40
